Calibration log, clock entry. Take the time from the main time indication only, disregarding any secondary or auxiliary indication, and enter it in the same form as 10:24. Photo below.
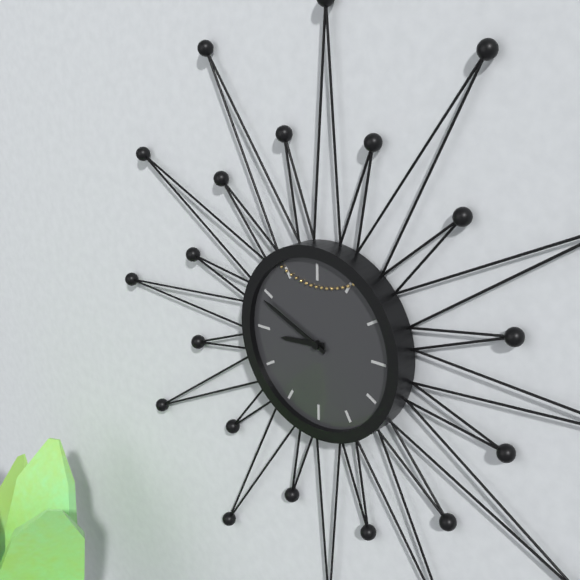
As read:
8:49
